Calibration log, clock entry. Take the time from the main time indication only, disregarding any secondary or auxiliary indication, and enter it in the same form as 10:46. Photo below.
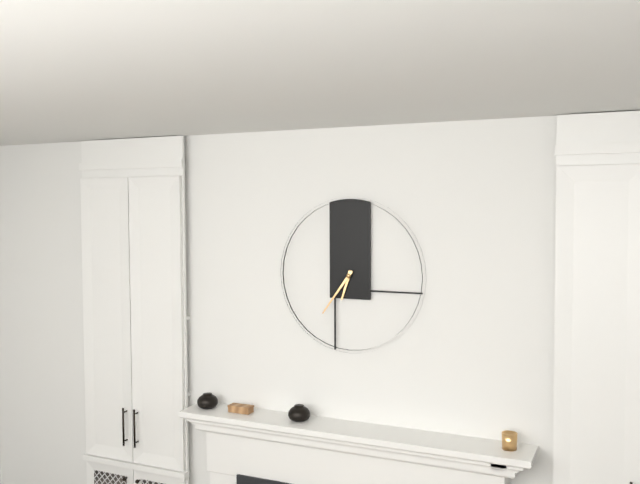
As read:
6:36
